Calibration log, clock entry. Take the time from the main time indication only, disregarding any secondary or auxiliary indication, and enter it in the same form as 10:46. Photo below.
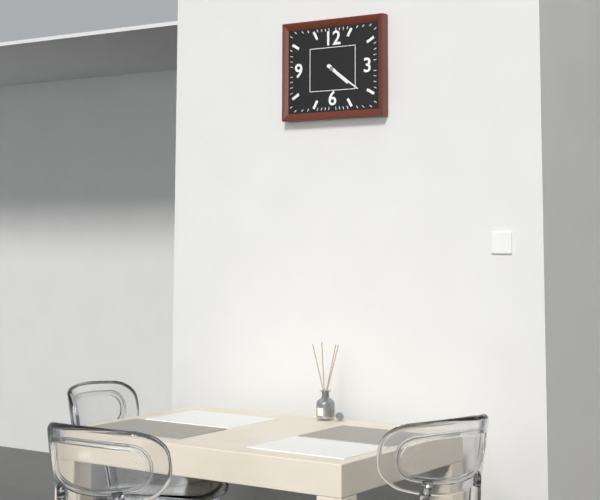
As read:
4:21
